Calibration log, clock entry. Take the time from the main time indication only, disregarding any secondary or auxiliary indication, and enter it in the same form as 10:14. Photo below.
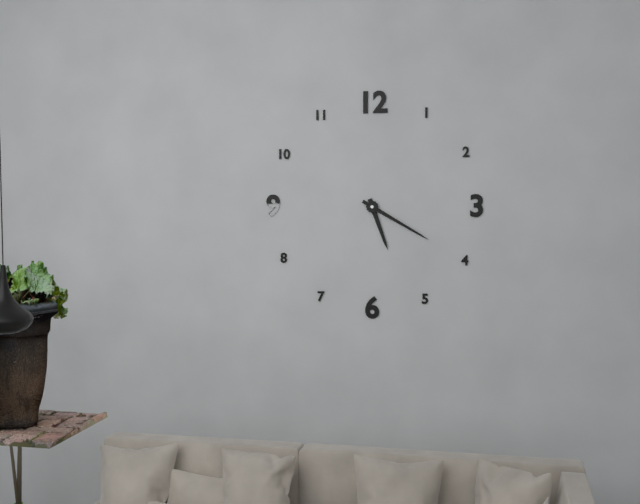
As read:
5:20
